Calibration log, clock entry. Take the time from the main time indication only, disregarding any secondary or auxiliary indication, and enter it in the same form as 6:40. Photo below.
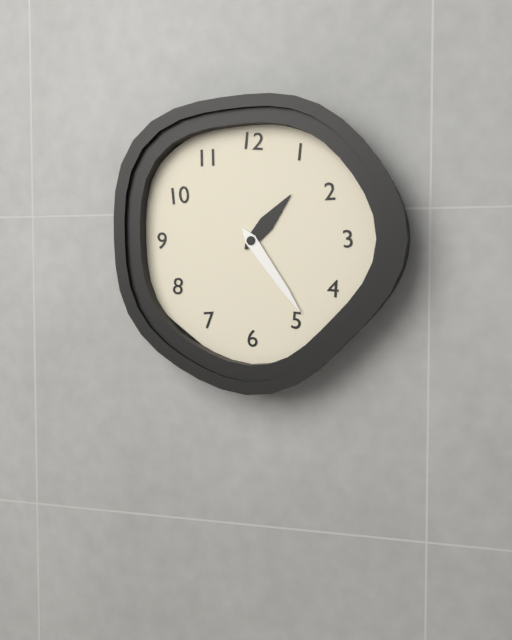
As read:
1:24
